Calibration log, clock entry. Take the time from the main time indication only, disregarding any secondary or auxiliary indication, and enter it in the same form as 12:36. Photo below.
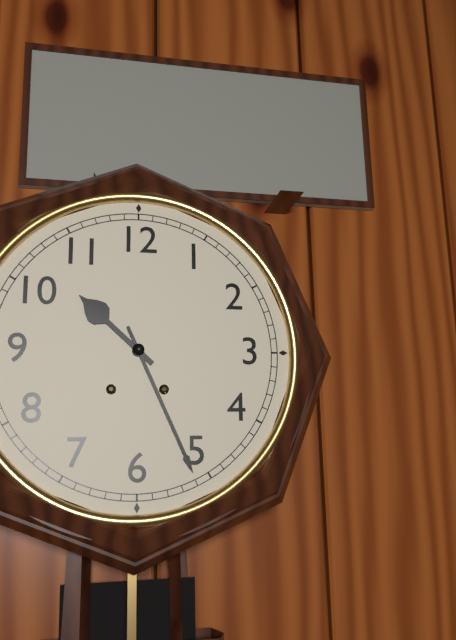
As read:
10:26
